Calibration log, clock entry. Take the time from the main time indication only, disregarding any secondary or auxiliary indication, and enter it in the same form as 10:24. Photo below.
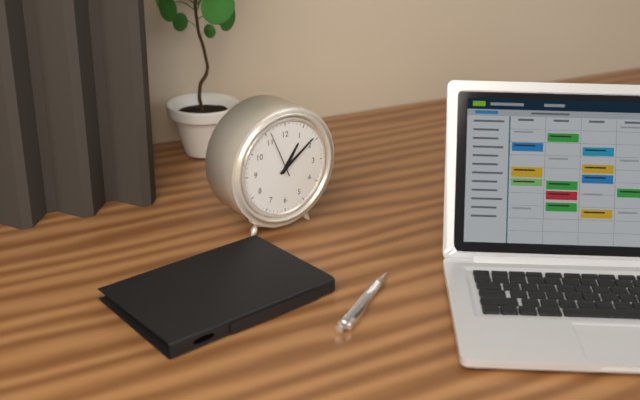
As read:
1:09
